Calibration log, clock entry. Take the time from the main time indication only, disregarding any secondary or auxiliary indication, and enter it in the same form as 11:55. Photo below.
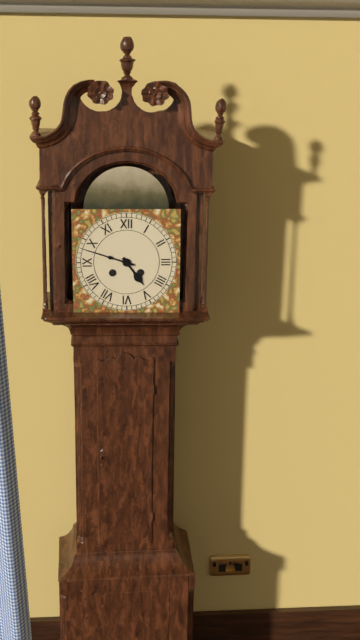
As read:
4:48
